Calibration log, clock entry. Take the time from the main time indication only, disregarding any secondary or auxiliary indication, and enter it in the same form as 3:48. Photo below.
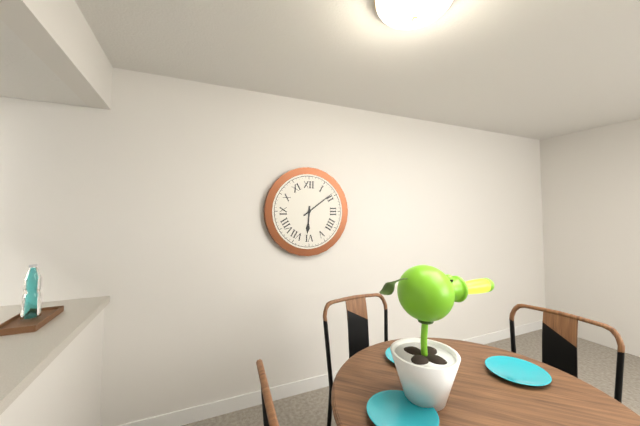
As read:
6:09
